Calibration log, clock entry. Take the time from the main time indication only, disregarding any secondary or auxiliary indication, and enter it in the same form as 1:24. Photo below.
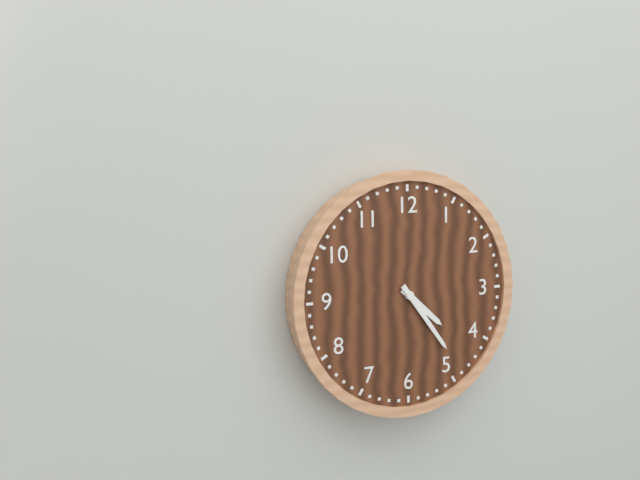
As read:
4:24
